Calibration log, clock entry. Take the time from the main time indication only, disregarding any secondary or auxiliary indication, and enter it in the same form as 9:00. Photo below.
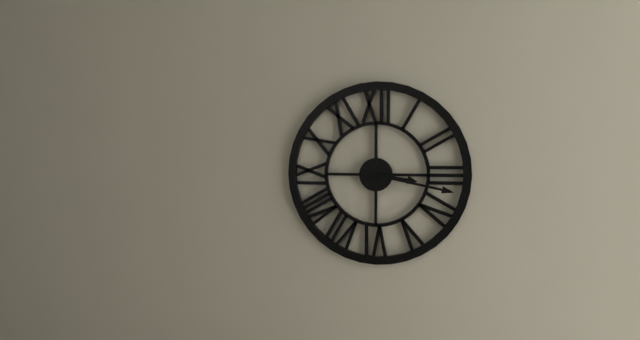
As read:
3:17
